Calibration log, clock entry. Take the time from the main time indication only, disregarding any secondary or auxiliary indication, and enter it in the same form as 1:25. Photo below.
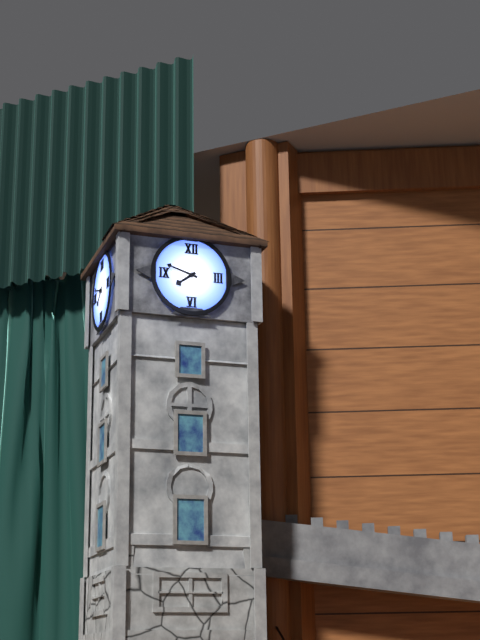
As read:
7:48
